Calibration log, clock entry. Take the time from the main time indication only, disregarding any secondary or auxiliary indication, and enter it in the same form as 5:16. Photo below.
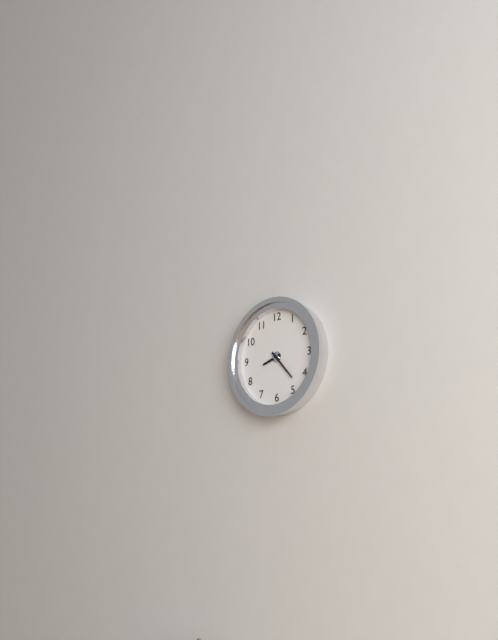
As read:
8:23
